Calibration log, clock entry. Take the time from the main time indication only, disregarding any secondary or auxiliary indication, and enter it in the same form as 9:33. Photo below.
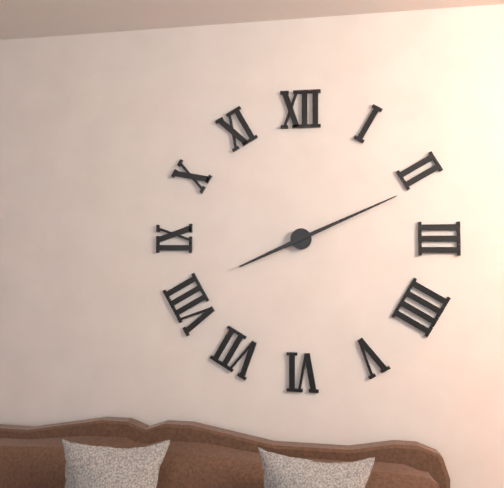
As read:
8:11
